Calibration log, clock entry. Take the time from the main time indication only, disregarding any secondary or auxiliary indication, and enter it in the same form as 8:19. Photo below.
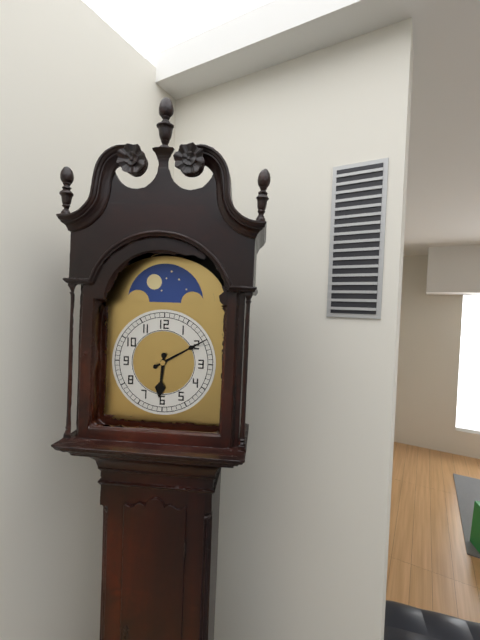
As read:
6:10
